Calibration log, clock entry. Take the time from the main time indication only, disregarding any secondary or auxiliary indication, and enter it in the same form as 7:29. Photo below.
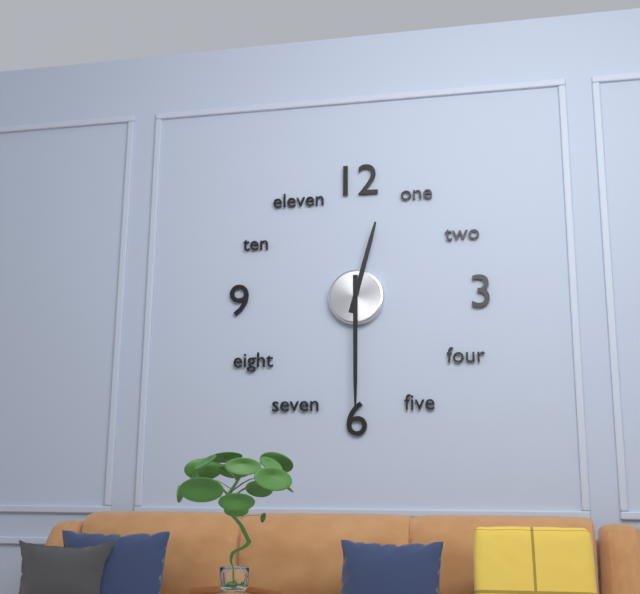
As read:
12:30
